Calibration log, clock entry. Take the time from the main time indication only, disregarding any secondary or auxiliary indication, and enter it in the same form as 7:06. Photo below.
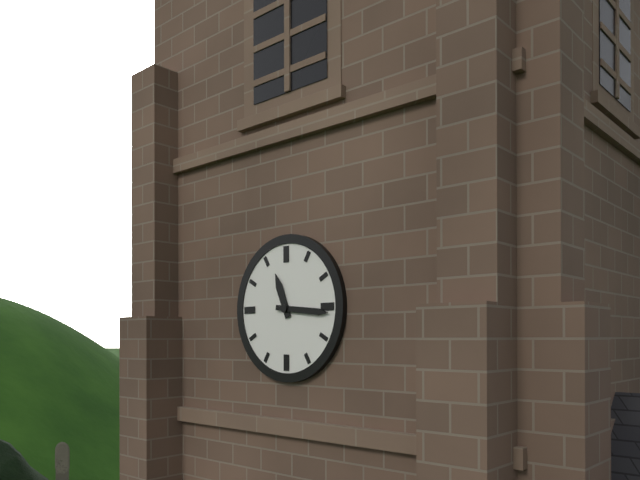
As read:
11:16
